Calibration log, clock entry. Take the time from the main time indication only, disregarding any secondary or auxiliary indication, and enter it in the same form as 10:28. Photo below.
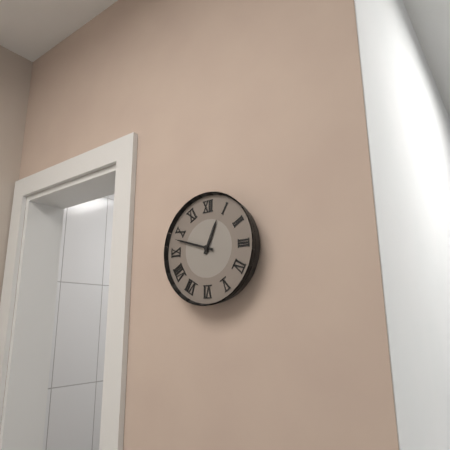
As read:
12:48
